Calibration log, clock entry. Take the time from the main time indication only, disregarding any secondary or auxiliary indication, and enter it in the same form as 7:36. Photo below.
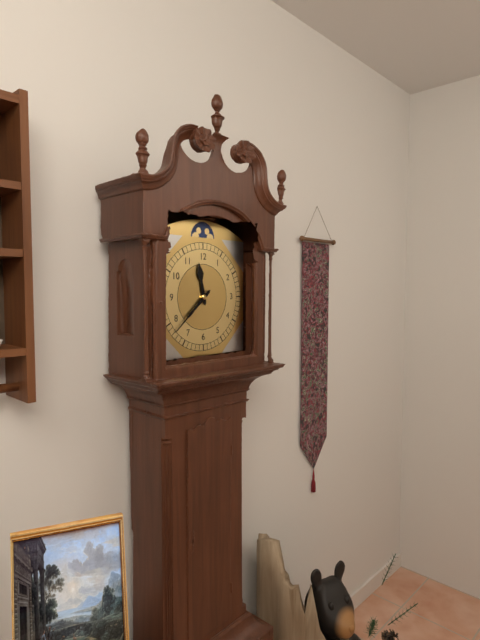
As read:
11:38
